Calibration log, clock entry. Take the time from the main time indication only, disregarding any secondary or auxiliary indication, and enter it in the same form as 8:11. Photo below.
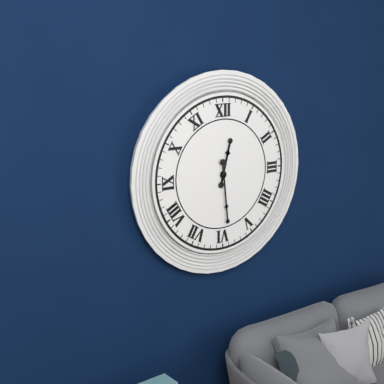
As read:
12:29
